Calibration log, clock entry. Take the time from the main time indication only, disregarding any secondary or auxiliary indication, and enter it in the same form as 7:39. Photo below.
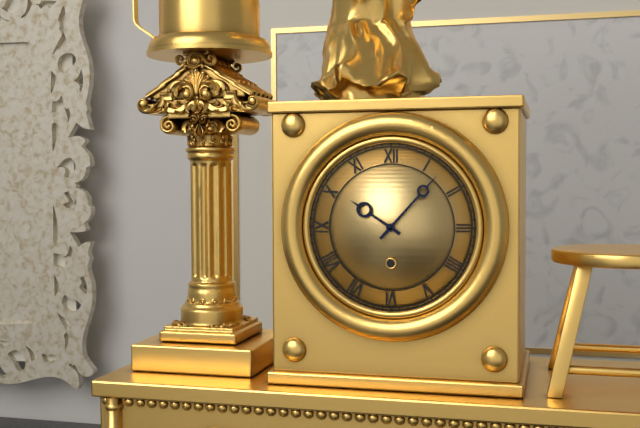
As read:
10:07
